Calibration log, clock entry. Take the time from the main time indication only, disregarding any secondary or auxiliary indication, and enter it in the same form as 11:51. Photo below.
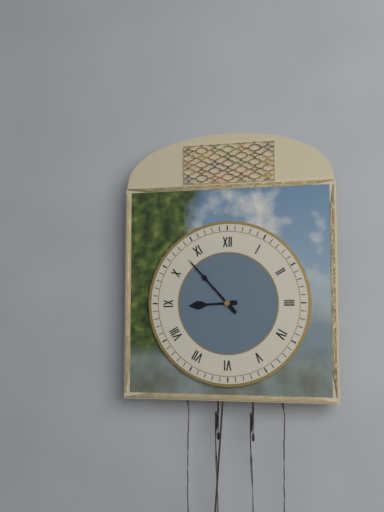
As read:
8:53
